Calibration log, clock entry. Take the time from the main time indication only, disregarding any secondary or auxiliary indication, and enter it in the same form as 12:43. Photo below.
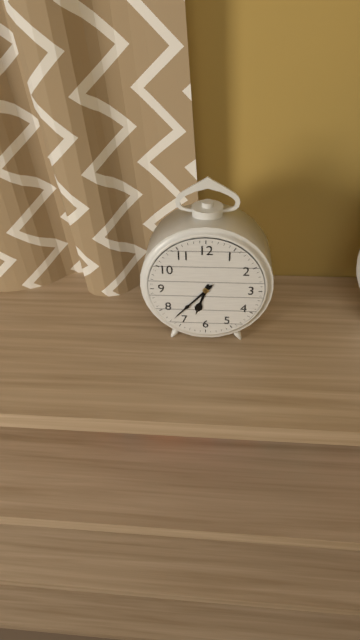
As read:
6:37
